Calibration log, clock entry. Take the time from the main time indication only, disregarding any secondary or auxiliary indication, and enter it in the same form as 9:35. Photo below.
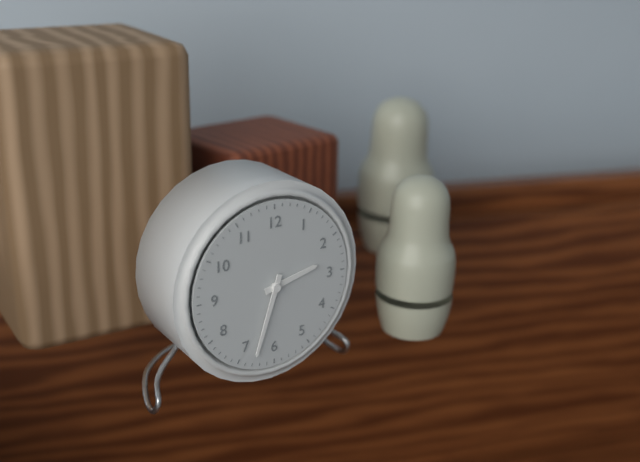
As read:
2:33
